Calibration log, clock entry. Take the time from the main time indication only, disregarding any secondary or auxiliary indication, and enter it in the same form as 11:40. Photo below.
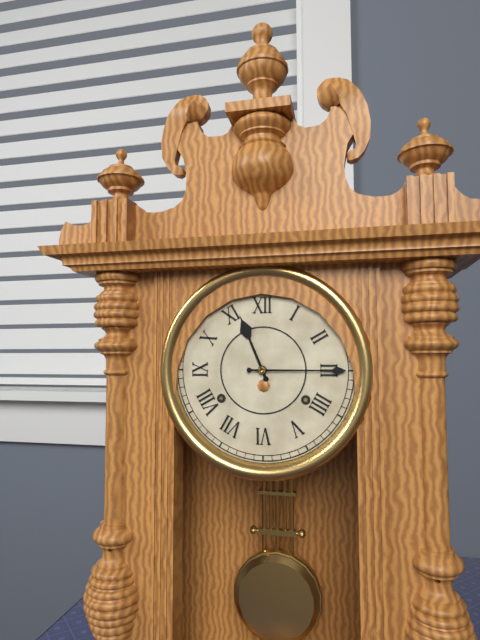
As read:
11:15
